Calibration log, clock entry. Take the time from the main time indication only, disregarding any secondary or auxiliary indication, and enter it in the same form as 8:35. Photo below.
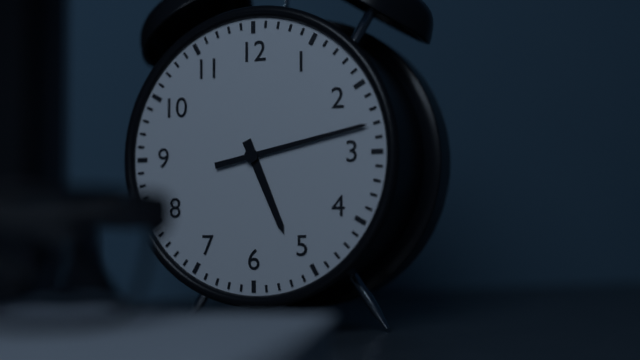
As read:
5:13
